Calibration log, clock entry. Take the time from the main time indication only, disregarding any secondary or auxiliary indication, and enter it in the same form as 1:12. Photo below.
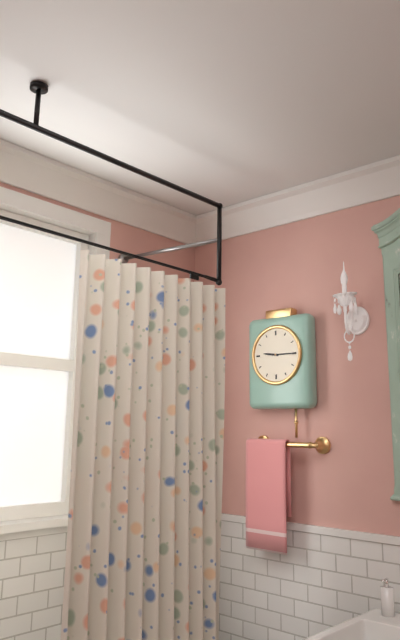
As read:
9:15
